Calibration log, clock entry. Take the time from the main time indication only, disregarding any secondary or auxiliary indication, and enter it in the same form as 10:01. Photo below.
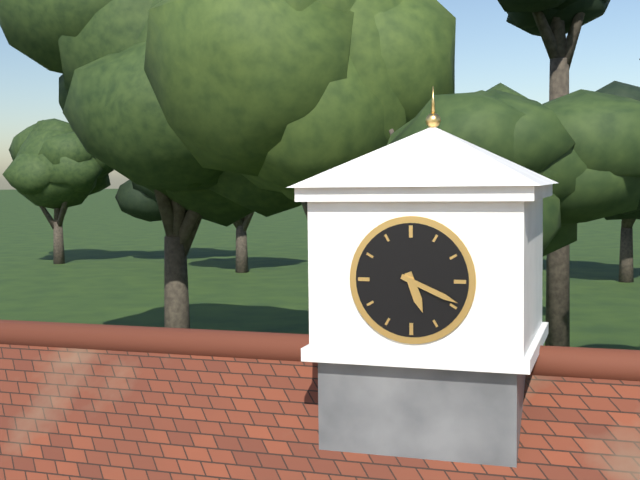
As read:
5:19
